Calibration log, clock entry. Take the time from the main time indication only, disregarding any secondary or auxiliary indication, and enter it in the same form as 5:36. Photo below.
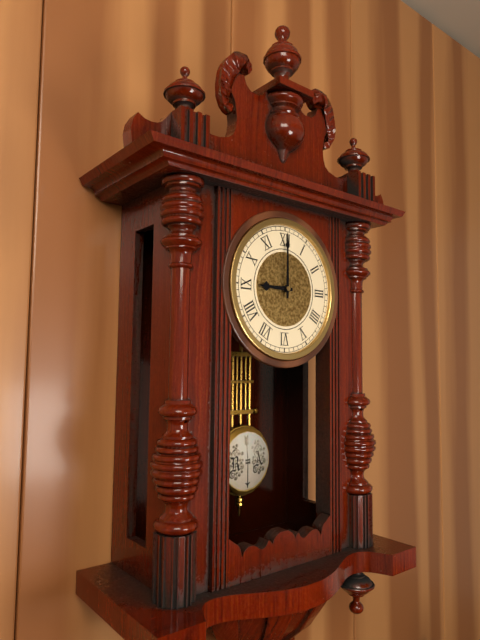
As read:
9:00
